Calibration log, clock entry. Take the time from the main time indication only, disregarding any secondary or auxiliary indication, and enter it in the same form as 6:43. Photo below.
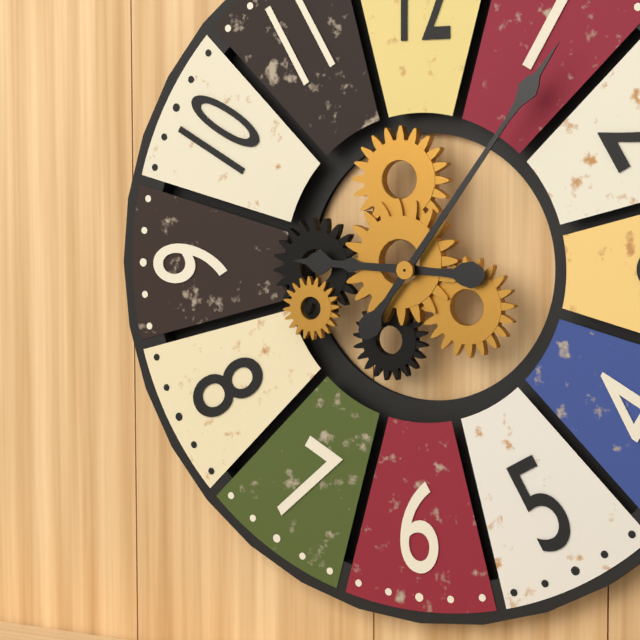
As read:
9:06
